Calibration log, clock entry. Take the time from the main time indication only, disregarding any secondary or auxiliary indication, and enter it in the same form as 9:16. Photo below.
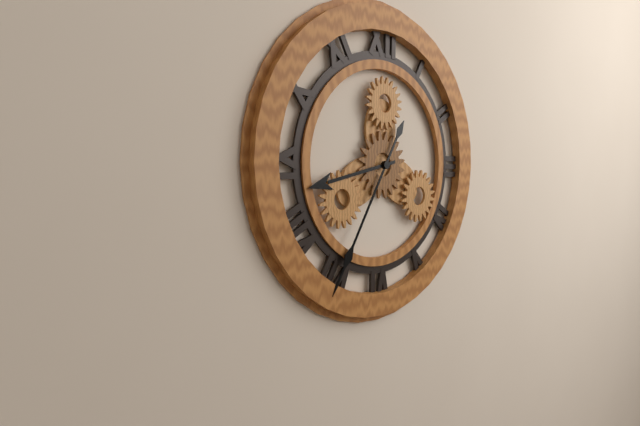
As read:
8:35
